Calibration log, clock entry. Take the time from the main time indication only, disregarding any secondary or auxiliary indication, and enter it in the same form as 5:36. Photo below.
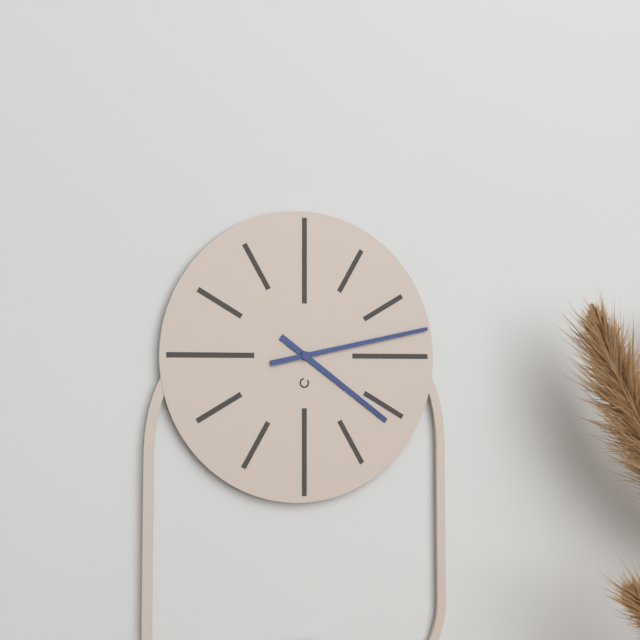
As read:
4:13
